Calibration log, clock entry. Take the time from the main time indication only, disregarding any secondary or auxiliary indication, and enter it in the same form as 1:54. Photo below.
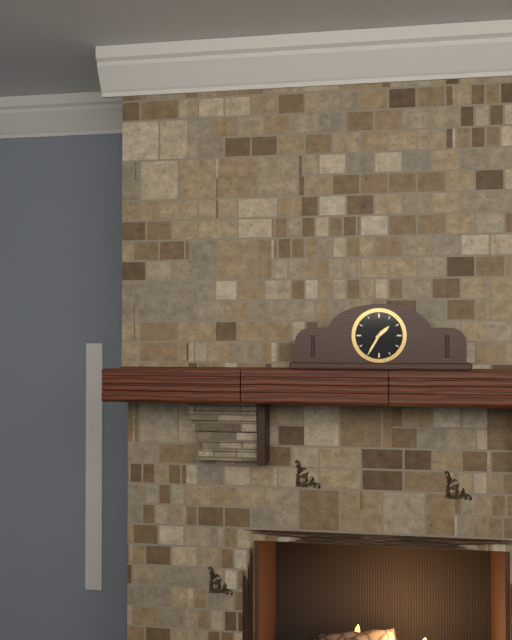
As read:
1:35
